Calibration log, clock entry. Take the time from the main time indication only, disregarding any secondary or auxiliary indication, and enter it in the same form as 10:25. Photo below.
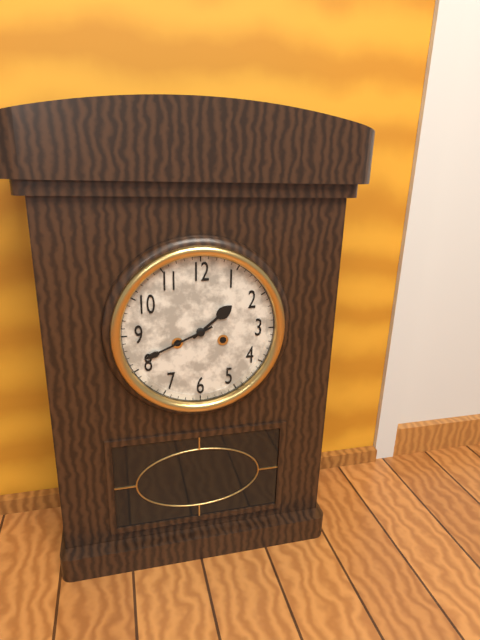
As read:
1:41
